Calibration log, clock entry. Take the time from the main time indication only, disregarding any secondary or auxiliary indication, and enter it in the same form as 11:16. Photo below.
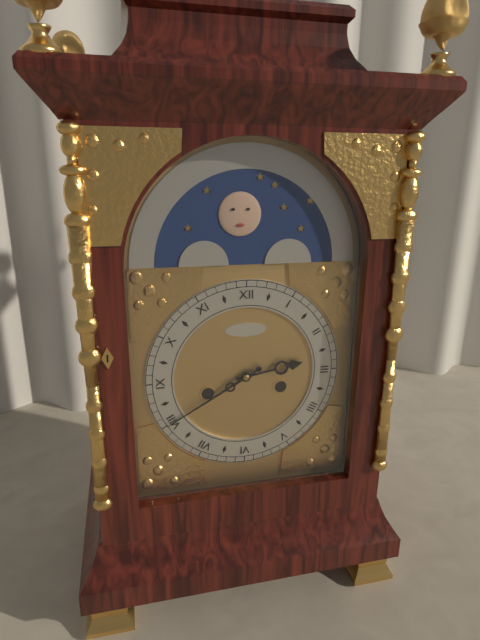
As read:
2:40
